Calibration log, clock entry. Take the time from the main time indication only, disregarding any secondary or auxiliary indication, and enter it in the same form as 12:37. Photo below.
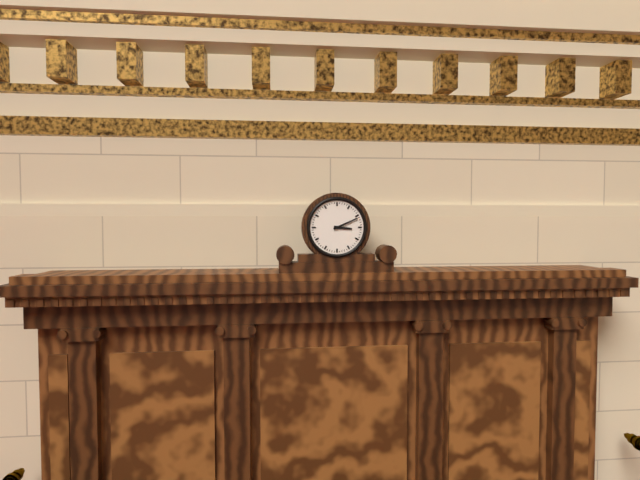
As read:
3:11
